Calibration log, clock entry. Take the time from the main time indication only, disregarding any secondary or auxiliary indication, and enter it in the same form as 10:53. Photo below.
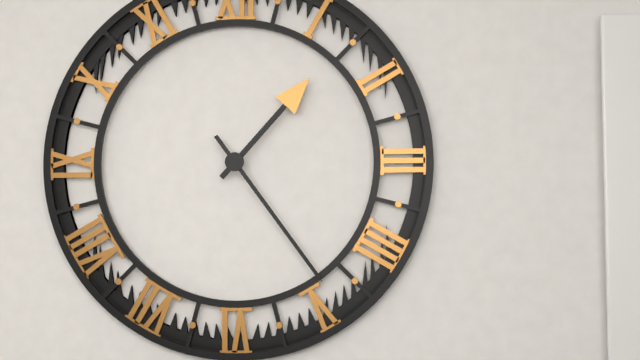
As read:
1:24
